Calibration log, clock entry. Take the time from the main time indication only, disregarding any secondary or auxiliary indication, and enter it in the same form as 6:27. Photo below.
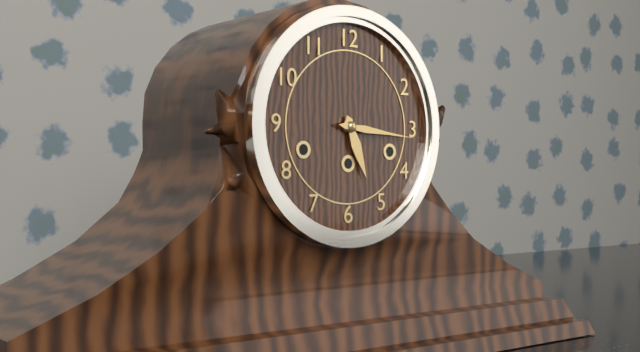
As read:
5:16
